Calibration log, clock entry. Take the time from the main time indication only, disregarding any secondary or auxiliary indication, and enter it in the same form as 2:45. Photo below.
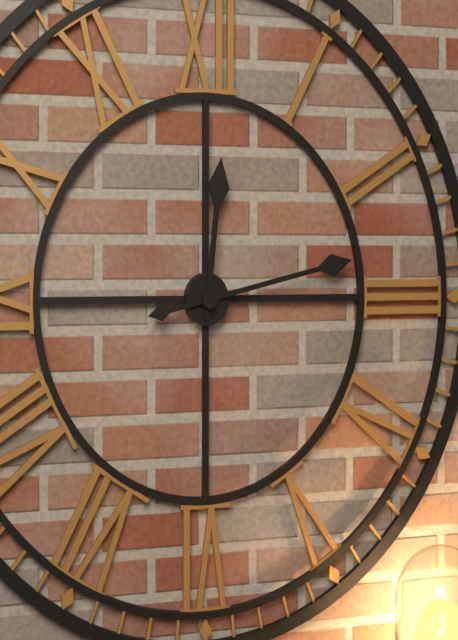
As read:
12:13
